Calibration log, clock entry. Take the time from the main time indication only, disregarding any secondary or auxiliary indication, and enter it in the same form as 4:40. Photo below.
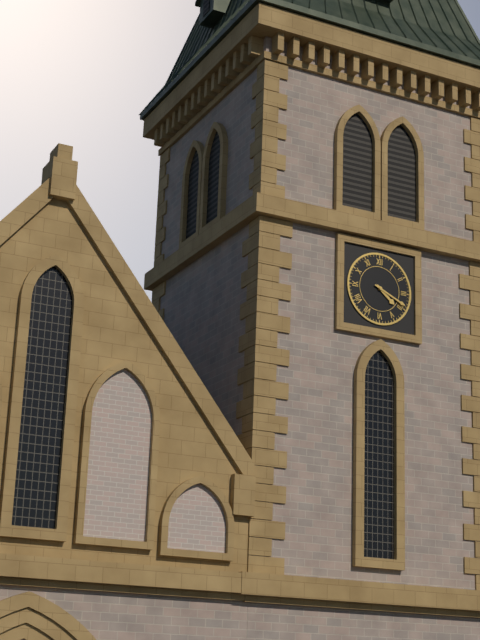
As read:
4:19
